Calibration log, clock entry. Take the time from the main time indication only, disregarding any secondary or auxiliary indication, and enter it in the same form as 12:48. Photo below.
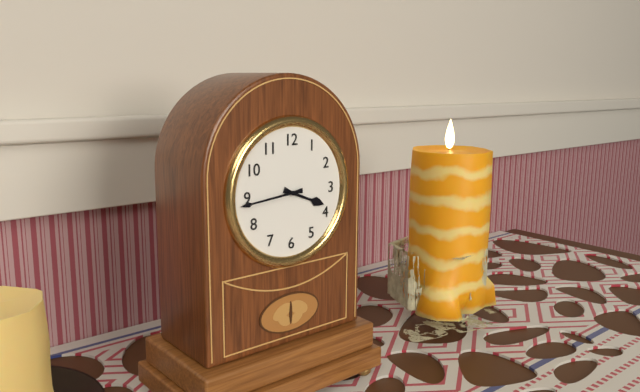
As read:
3:44
